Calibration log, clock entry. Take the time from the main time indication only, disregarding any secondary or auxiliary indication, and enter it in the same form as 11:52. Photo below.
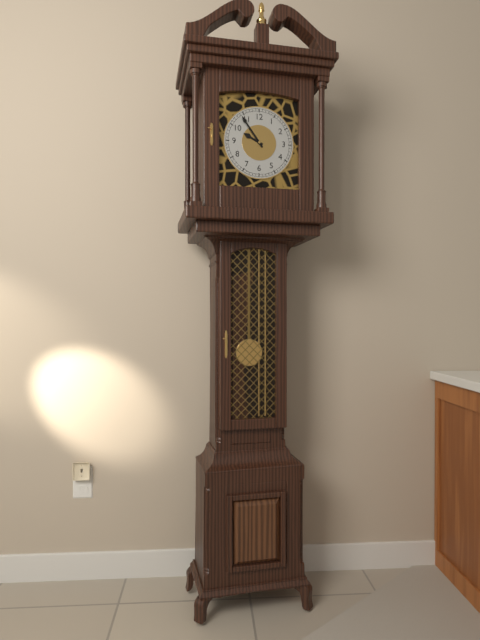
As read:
9:54
